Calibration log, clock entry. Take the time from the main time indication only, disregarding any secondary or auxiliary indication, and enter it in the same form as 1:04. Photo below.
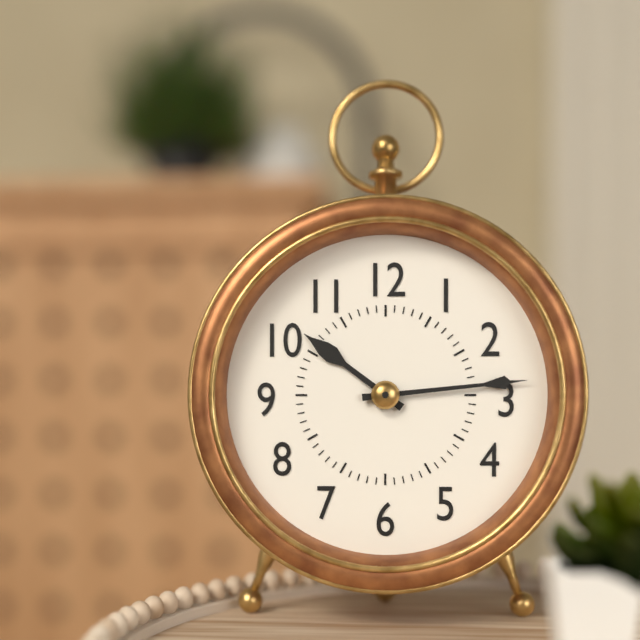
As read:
10:14
